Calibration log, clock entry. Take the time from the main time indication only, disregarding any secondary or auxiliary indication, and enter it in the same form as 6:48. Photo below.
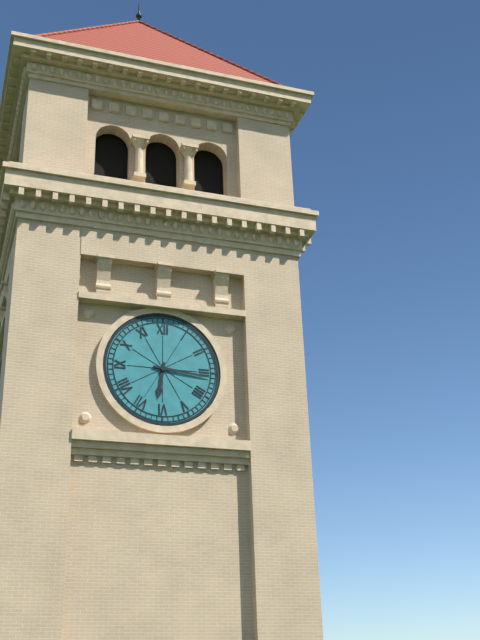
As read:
6:16
